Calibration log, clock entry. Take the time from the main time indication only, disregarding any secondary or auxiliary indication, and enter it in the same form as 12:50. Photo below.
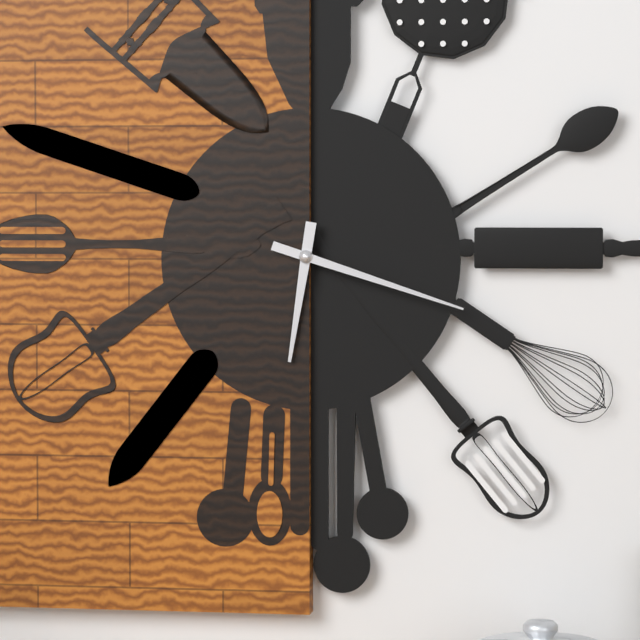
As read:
6:18
